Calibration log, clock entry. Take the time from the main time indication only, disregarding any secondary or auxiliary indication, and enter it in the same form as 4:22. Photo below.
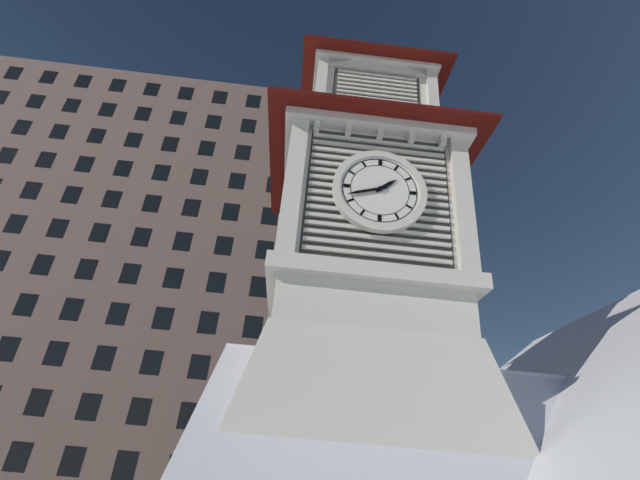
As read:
1:42
